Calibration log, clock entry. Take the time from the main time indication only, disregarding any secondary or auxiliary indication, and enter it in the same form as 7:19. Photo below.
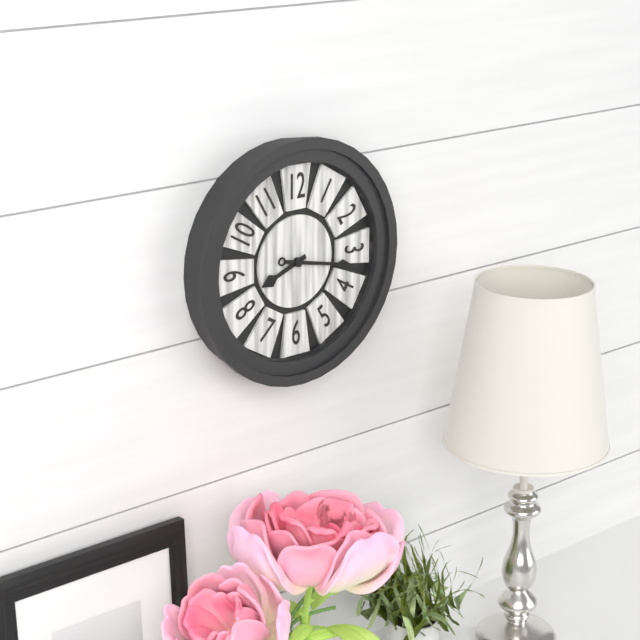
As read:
8:17
